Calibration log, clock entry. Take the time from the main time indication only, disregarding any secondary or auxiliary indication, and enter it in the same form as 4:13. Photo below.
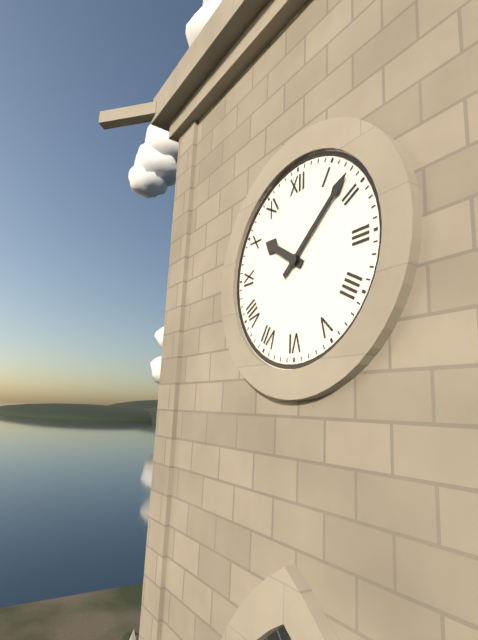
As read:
10:08
